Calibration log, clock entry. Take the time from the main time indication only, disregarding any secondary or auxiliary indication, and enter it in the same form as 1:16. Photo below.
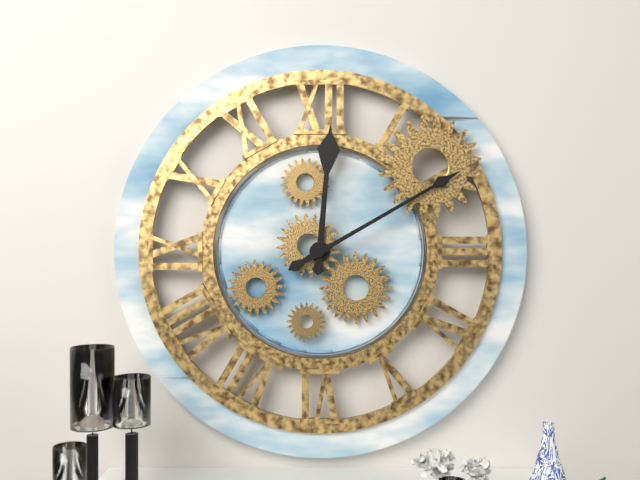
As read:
12:10
